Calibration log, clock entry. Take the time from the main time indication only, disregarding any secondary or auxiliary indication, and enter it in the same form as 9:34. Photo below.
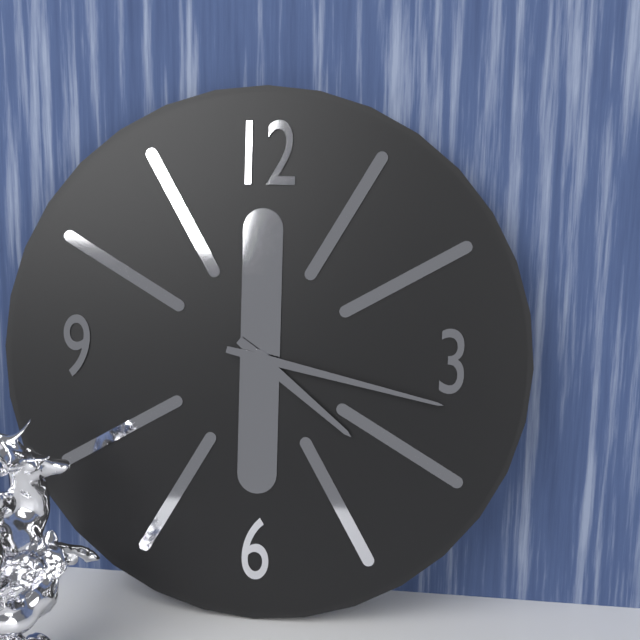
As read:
4:17
